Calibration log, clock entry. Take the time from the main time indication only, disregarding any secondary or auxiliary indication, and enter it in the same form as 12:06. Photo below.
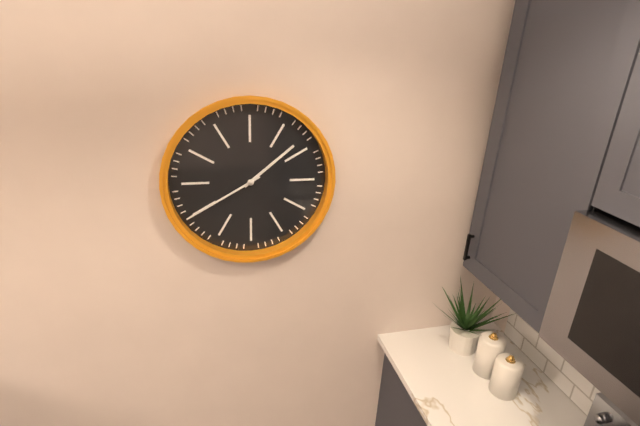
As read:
1:40
